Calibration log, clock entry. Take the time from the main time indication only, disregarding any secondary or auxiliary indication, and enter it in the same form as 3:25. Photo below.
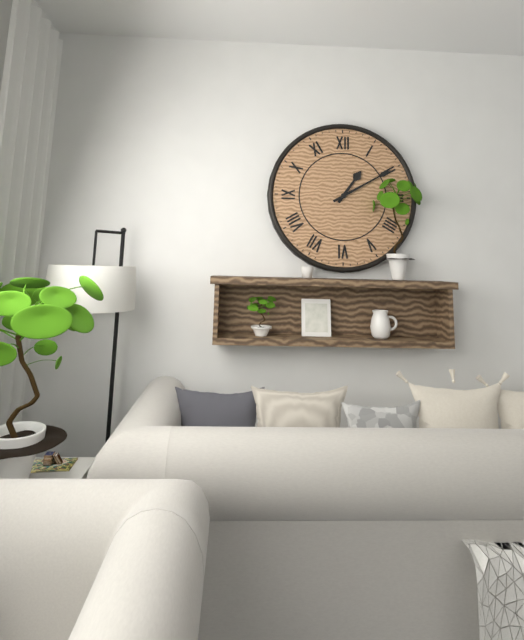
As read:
1:10
